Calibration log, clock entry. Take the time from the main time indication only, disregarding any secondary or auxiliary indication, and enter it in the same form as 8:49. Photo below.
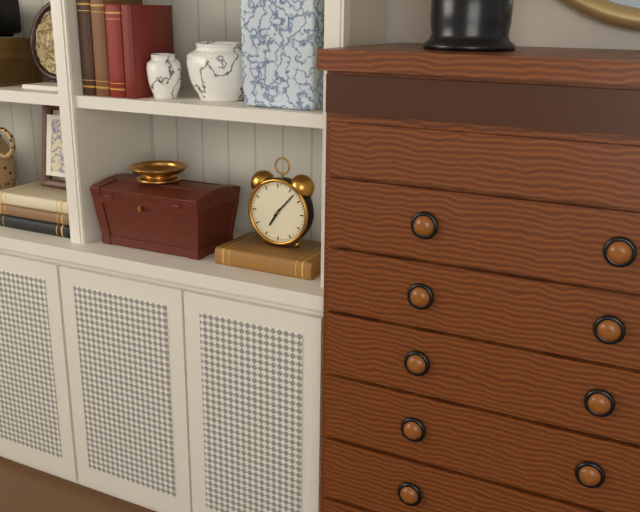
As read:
7:07
